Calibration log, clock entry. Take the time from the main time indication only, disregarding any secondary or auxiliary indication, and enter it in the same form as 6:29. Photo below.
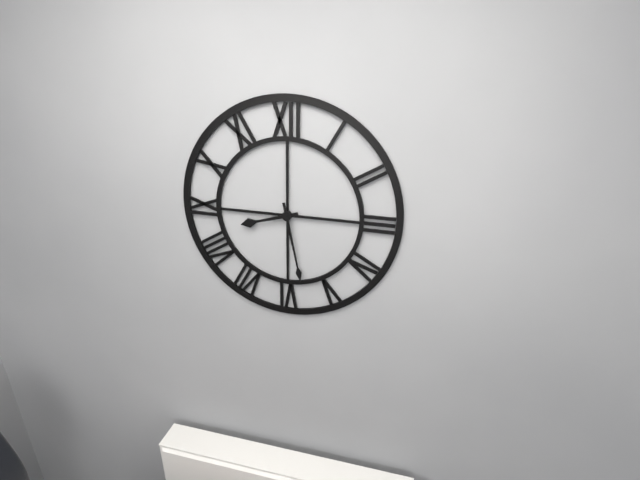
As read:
8:28
